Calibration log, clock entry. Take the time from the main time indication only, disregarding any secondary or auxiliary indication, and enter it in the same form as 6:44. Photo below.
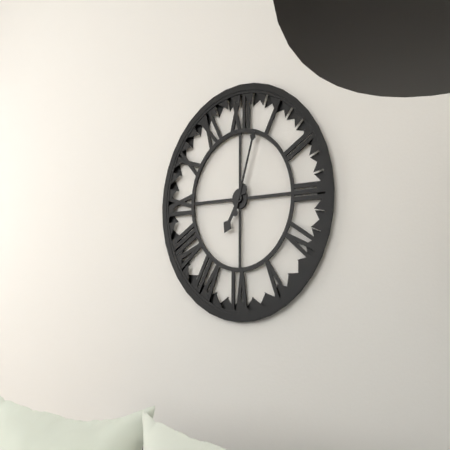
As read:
7:03
